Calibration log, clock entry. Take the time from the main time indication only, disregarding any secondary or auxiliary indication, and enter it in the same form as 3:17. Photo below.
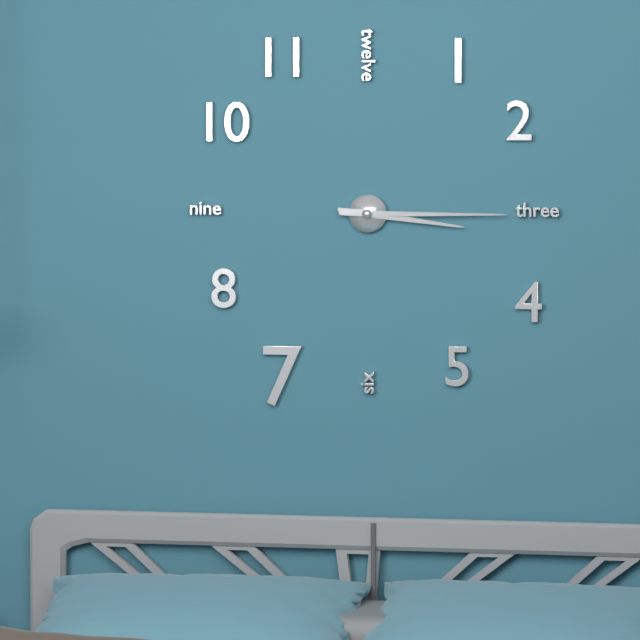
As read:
3:15
